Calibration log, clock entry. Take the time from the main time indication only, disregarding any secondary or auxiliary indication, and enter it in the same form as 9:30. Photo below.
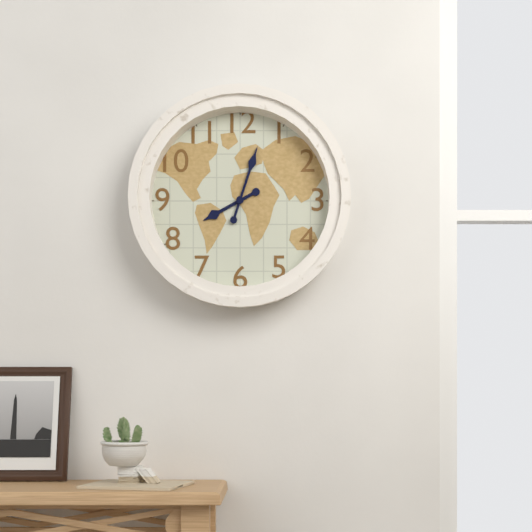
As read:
8:03
